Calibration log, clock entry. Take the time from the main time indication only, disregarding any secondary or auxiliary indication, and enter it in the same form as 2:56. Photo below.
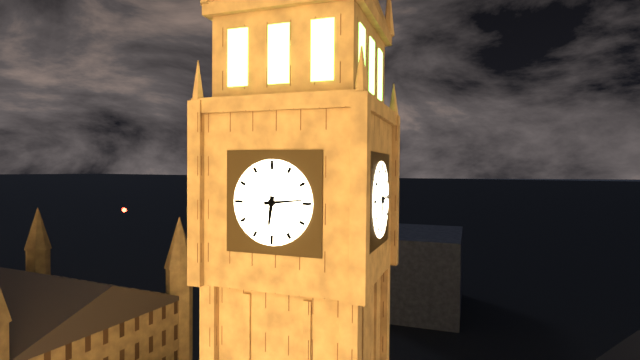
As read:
6:14
